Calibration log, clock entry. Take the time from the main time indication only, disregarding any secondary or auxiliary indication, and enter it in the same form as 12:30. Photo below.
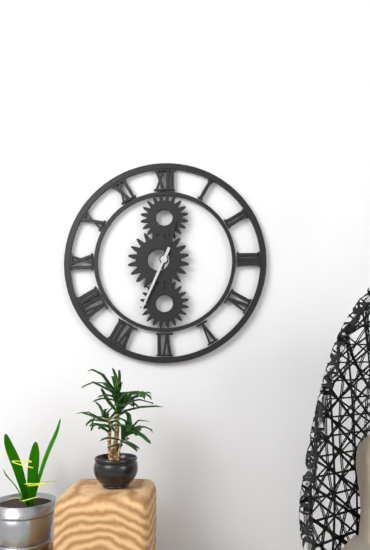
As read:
12:34
